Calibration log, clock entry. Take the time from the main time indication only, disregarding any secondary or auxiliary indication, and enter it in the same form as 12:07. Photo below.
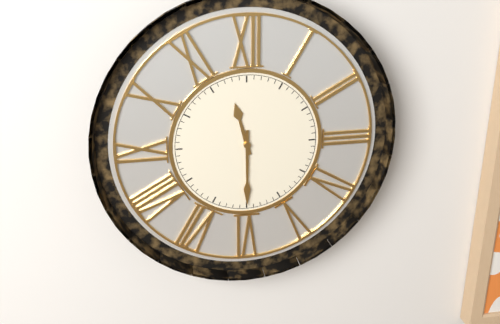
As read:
11:30
